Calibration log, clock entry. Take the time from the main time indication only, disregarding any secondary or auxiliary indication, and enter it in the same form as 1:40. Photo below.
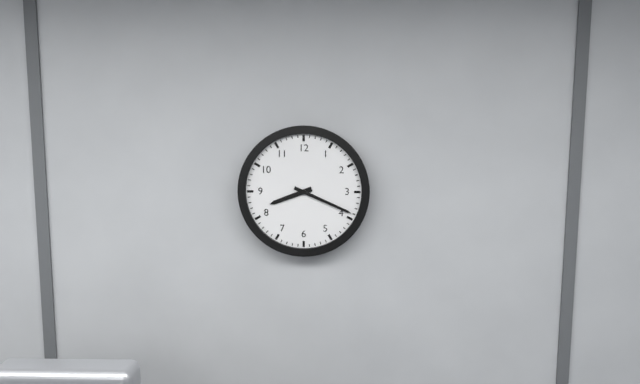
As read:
8:19
